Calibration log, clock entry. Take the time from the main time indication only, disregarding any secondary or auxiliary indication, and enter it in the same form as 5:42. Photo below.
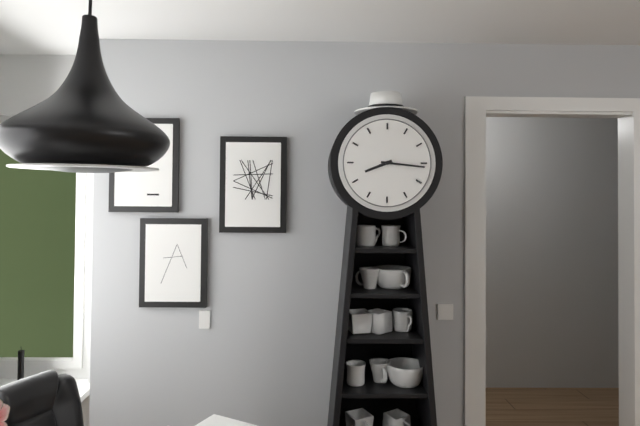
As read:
8:16
